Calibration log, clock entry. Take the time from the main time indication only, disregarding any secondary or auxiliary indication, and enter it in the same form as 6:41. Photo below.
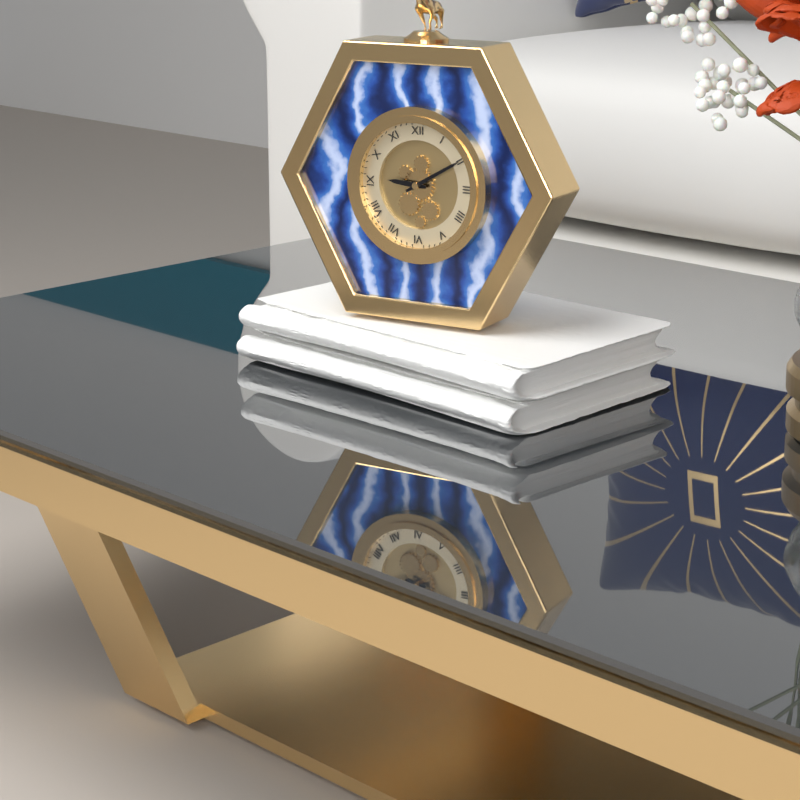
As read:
9:10
